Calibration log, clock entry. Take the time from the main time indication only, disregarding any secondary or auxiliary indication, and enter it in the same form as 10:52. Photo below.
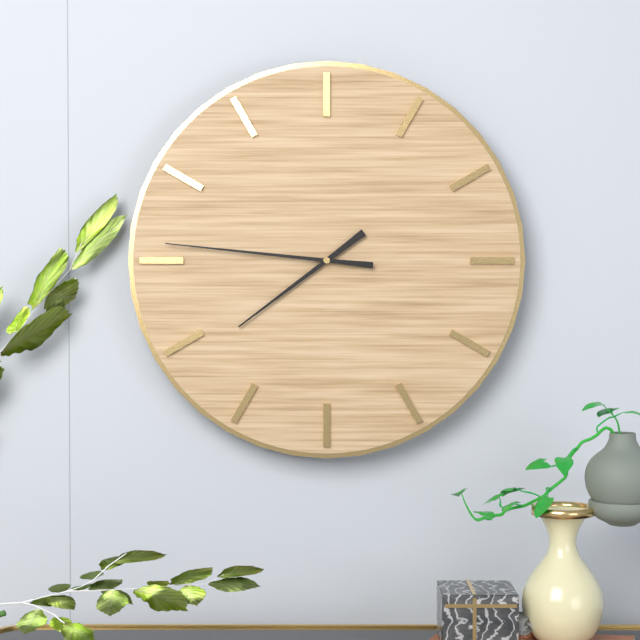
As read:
7:46
